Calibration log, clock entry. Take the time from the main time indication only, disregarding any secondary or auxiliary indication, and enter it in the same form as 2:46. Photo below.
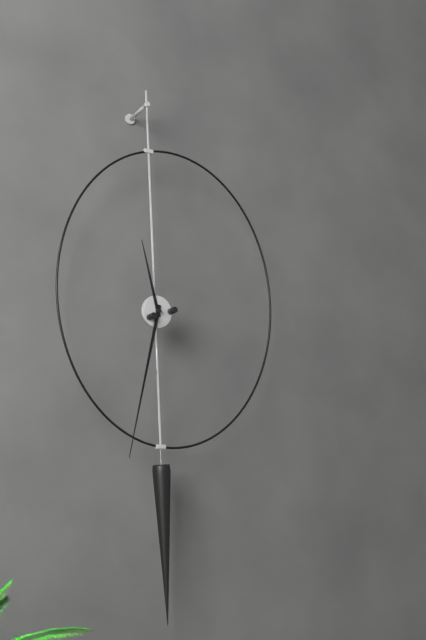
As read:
11:32
